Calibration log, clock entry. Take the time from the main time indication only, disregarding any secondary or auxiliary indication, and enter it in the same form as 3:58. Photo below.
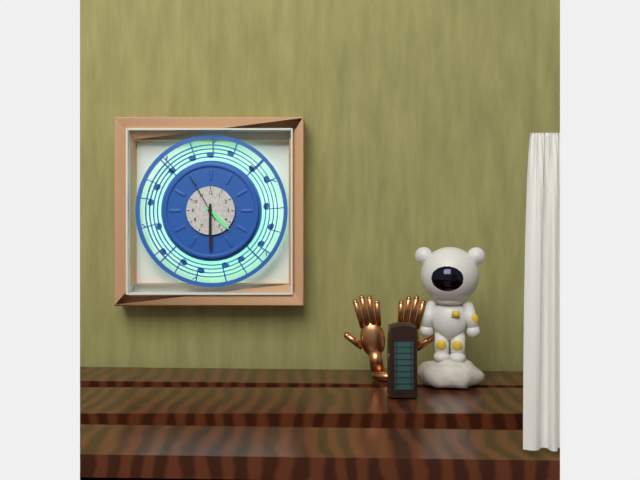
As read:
4:30
